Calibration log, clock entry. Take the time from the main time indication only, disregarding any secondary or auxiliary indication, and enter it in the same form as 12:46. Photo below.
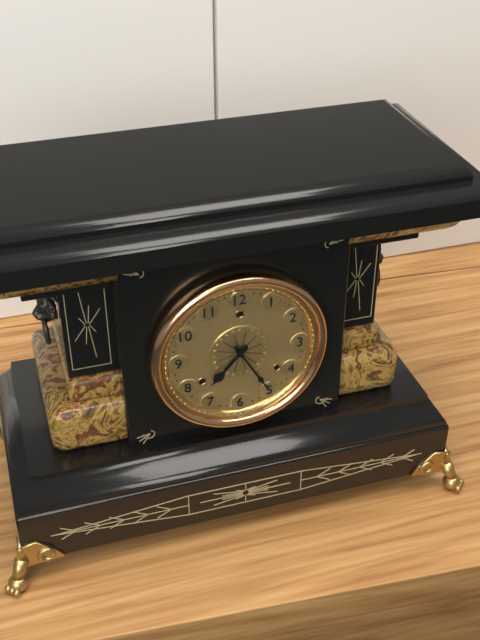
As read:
7:25
